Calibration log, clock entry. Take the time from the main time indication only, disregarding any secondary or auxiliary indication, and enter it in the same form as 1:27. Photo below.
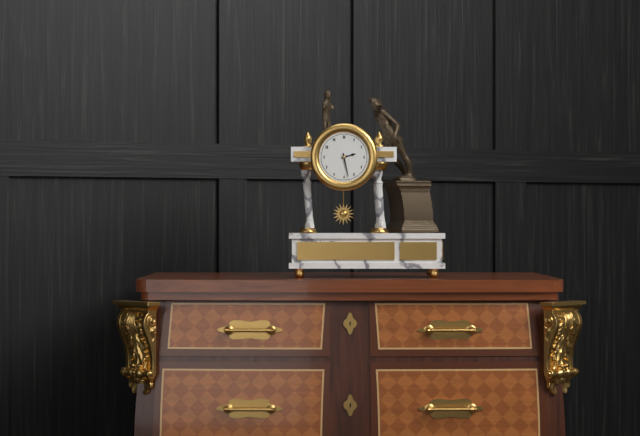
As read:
2:28
